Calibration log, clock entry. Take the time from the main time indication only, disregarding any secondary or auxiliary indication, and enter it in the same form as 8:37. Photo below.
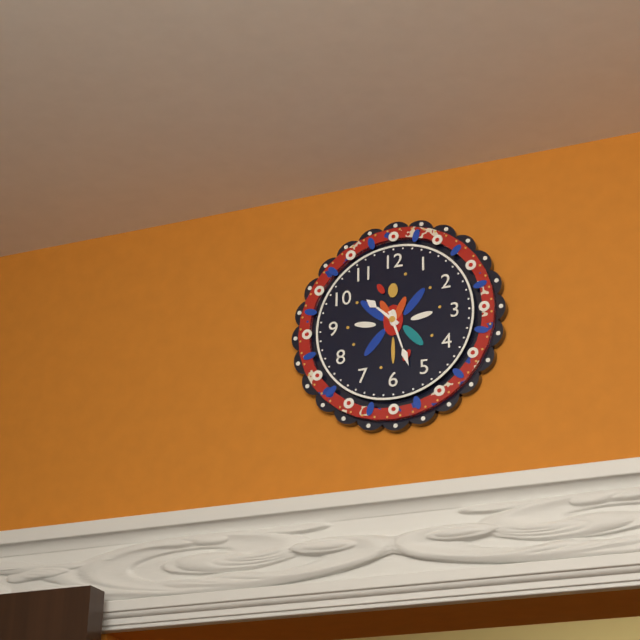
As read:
10:27
